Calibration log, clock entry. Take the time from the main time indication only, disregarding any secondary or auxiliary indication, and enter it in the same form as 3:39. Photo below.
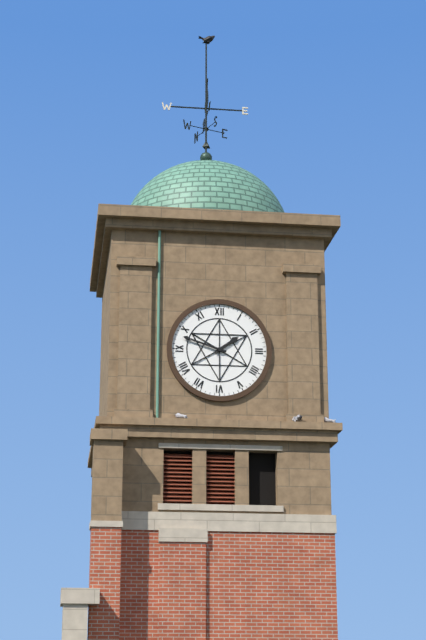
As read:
1:48
